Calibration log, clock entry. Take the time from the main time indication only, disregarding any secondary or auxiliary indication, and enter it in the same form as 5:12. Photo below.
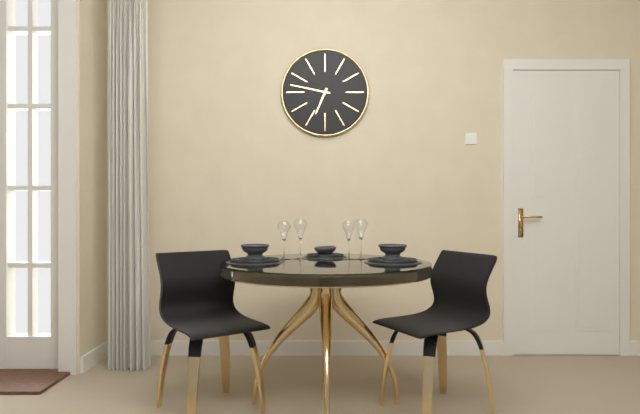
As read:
6:47
